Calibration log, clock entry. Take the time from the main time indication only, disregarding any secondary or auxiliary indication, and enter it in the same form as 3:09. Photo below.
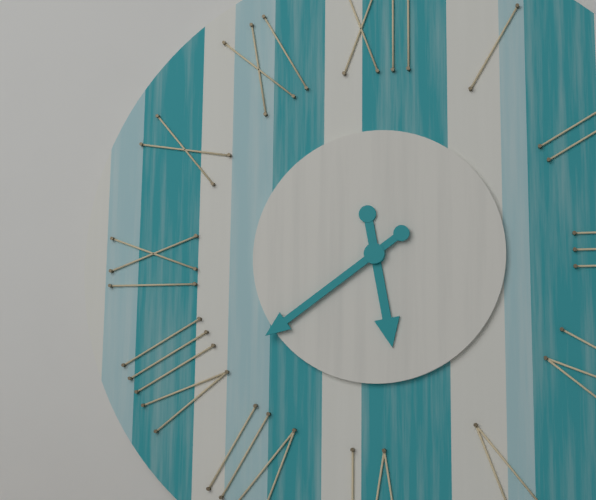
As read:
5:39
